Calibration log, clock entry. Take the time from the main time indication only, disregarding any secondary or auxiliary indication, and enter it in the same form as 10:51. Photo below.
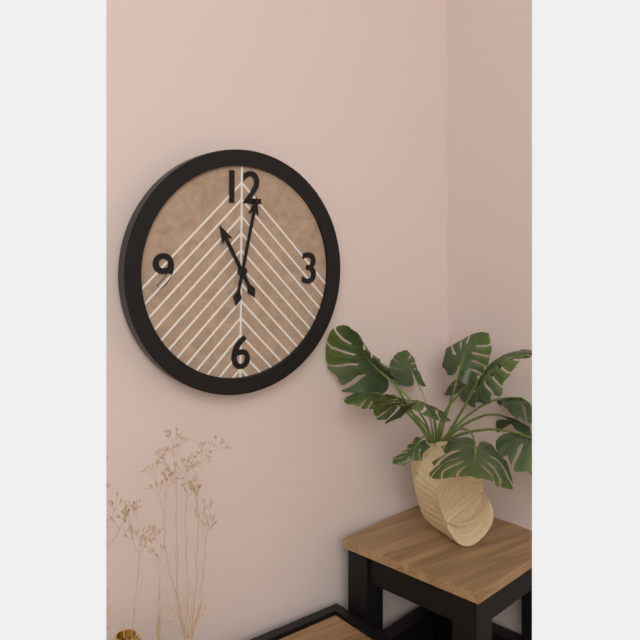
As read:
11:02
